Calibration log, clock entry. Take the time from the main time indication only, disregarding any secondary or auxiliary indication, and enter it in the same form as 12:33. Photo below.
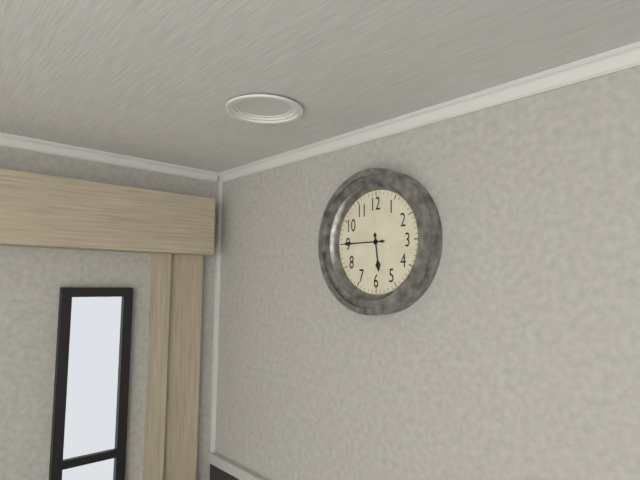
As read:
5:45
